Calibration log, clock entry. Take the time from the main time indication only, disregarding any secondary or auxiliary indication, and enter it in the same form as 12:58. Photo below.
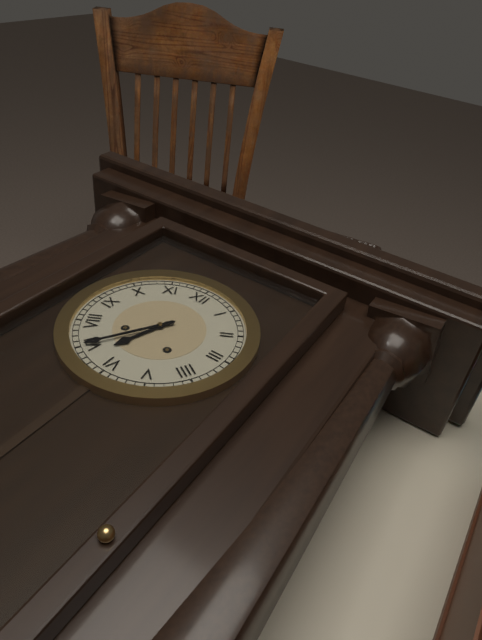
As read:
6:35
